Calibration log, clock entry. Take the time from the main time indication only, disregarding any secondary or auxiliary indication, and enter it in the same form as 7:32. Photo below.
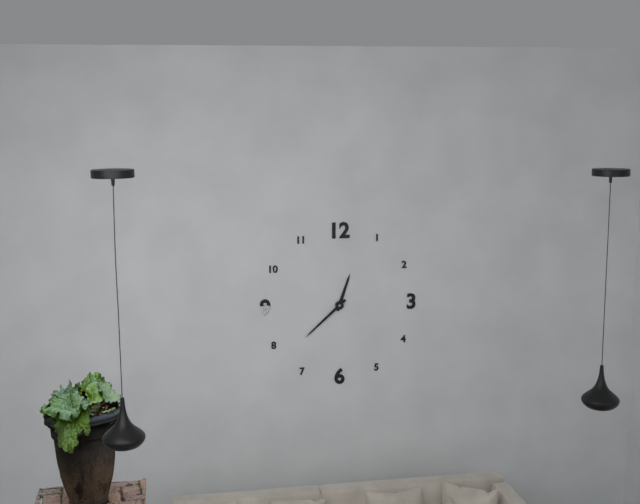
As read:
12:38
